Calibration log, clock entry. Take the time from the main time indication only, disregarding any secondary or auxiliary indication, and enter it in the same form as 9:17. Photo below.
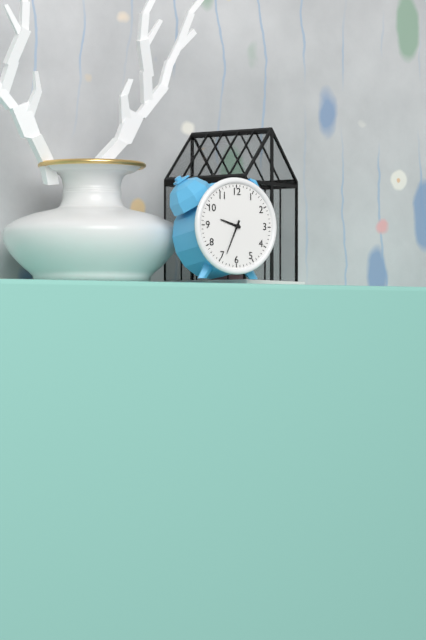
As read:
9:34
